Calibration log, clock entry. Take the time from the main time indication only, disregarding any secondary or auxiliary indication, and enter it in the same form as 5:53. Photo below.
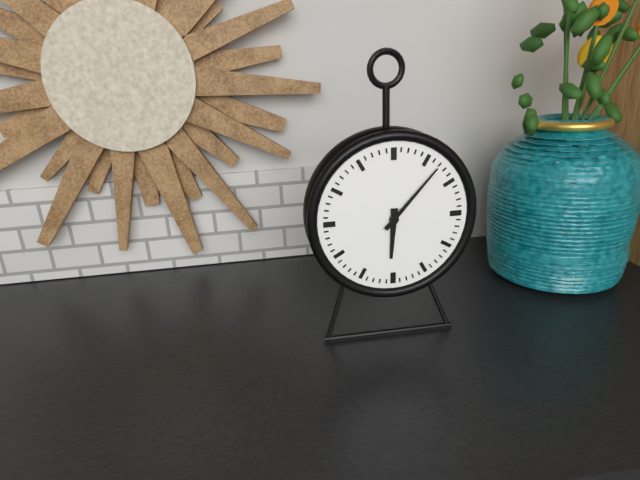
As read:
6:07
